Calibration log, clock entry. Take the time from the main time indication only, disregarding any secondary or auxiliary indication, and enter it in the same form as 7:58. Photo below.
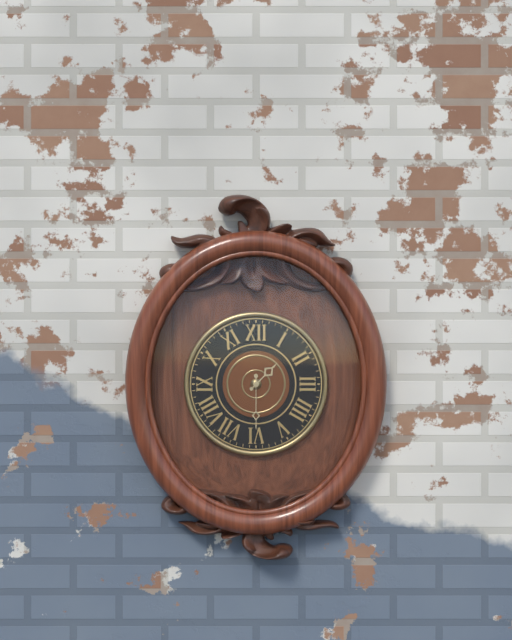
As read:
1:30
